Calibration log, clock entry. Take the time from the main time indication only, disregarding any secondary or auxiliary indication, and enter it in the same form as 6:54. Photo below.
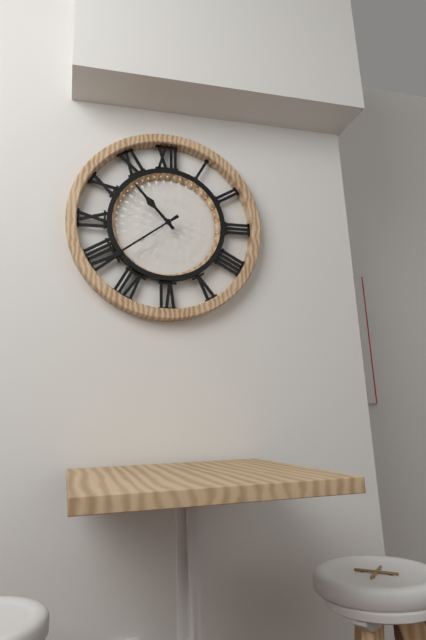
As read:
10:39
